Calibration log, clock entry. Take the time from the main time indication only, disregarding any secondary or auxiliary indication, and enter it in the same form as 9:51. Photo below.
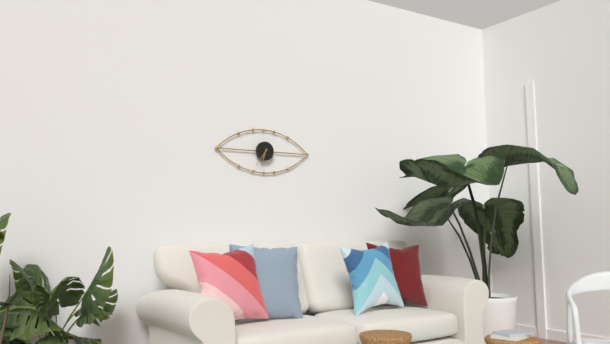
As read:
6:36
